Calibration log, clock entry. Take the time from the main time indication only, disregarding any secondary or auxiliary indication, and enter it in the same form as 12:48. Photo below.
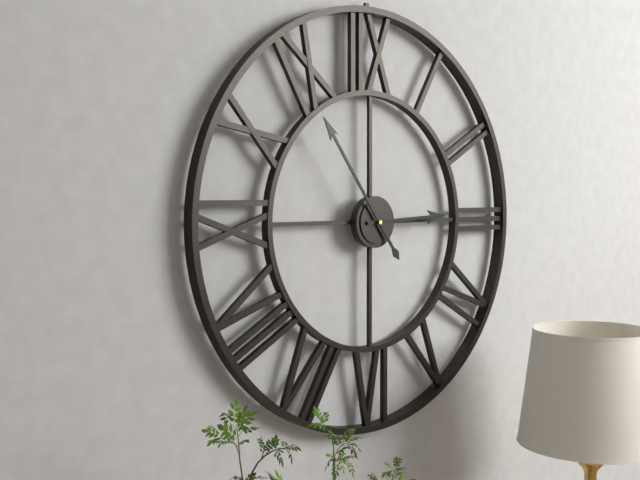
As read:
2:54
